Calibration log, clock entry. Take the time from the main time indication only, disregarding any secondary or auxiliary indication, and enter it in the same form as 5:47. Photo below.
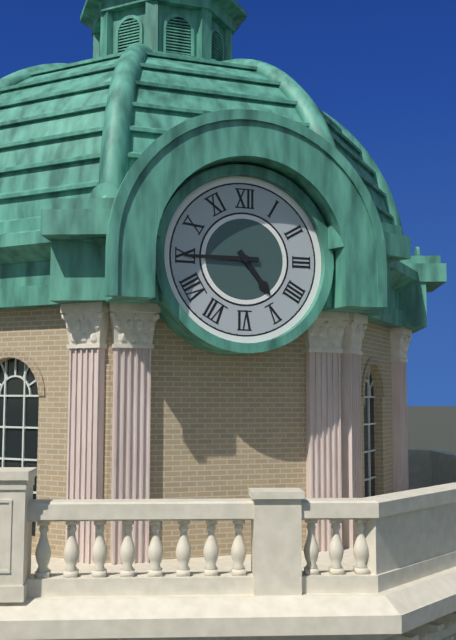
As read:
4:45
